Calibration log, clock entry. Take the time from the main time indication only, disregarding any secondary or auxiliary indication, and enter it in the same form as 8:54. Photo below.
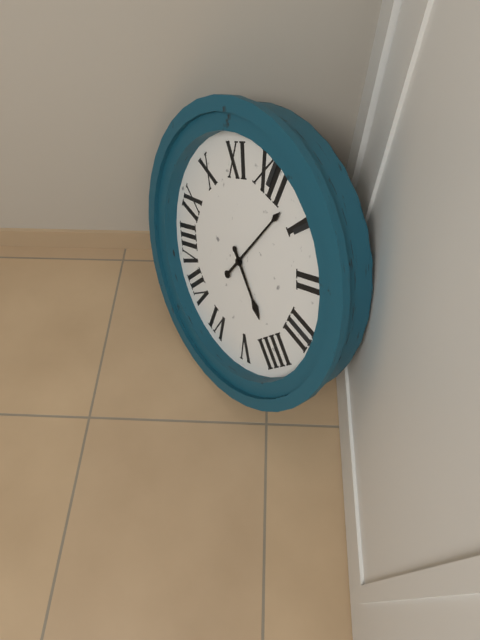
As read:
4:03
